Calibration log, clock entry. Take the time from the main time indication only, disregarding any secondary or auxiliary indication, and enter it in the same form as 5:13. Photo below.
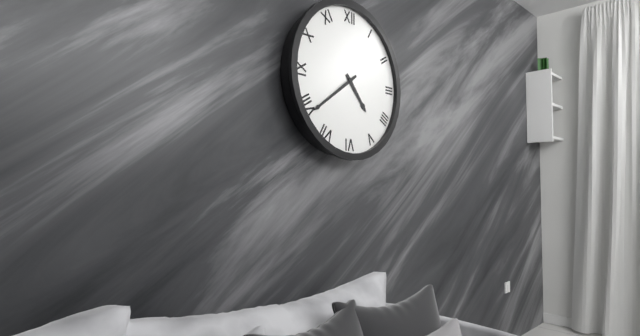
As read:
4:39
